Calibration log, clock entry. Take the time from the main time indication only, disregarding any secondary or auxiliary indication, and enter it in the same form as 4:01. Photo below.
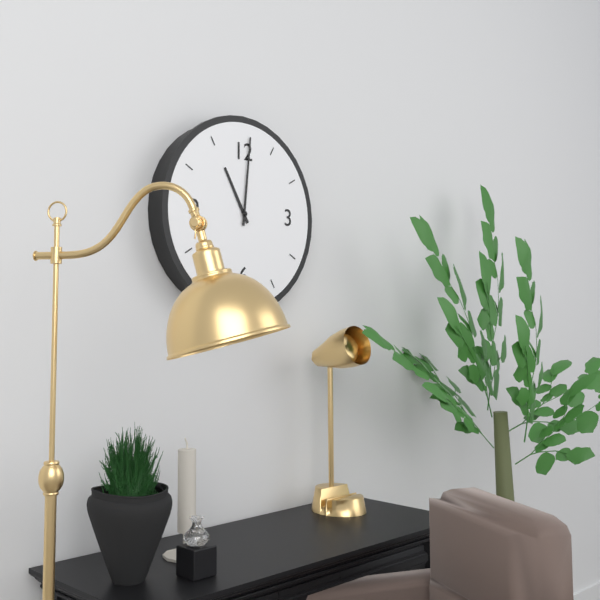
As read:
11:01
